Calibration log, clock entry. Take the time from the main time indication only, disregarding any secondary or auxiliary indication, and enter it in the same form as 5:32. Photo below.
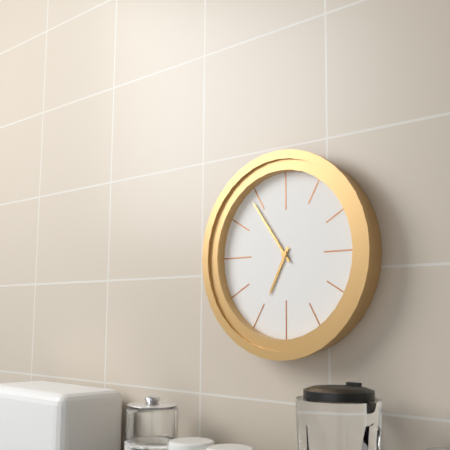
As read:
6:54
